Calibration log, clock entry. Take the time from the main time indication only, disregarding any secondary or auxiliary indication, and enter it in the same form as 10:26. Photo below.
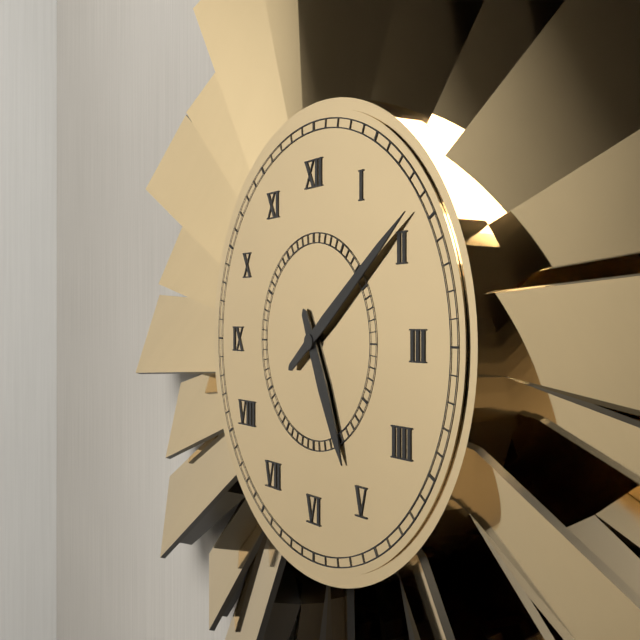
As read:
5:09
